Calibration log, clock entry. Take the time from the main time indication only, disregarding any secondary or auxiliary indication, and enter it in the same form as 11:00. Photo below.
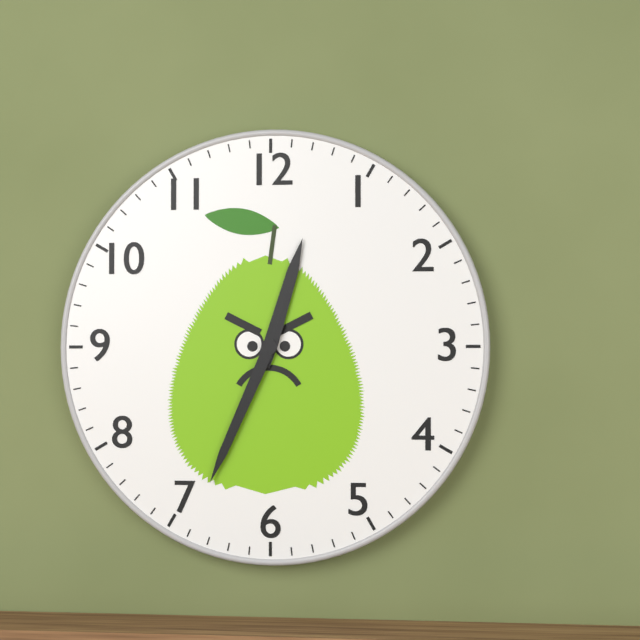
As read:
12:34
